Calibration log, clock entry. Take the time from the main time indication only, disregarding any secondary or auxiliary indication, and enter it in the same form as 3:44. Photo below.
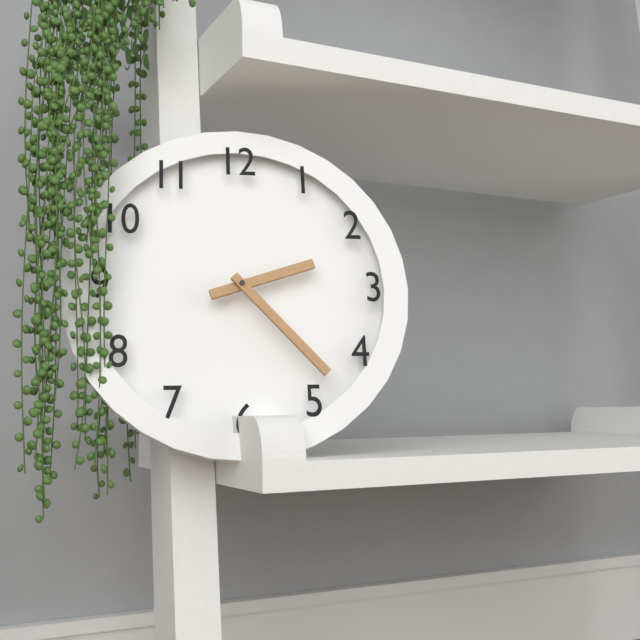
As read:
2:23
